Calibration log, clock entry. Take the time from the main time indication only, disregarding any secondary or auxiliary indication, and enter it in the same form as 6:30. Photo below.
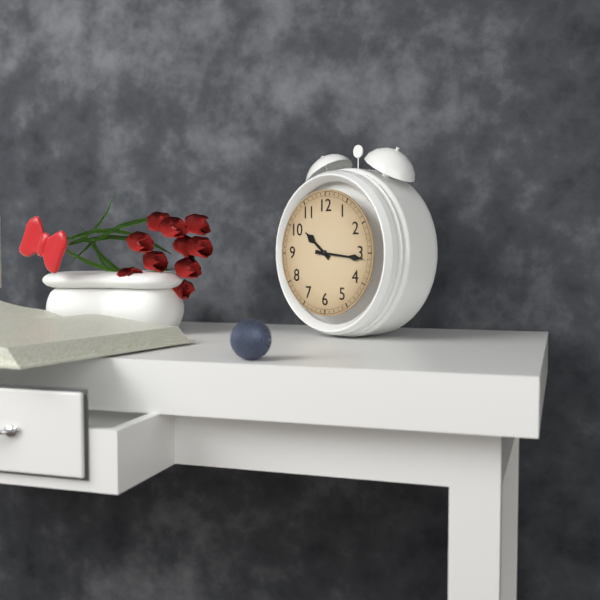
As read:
10:16
